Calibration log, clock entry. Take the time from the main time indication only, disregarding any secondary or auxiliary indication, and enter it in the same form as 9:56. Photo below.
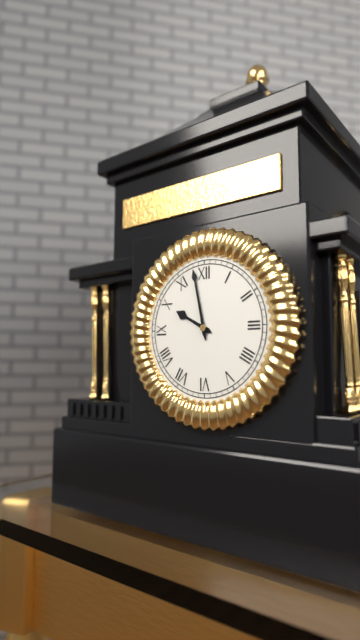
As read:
9:58
